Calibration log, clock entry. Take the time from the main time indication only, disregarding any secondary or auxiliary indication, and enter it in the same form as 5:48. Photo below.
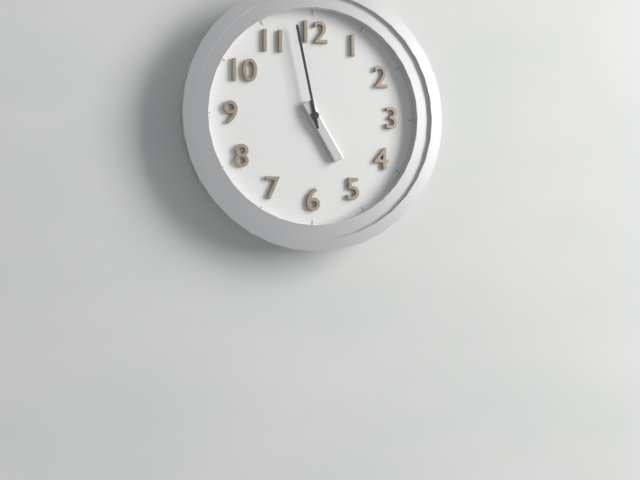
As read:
4:58
